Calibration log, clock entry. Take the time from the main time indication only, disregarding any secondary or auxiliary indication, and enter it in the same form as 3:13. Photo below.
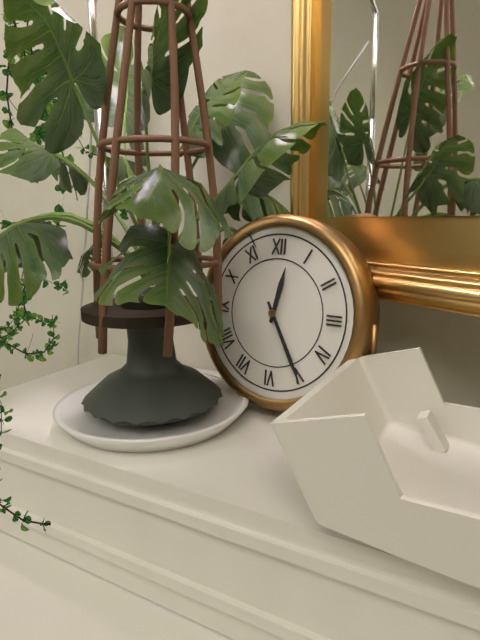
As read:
12:25
